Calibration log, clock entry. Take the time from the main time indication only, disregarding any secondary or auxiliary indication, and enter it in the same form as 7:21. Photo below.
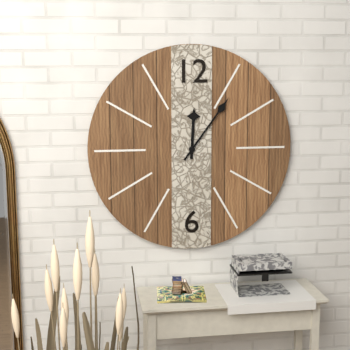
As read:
12:06
